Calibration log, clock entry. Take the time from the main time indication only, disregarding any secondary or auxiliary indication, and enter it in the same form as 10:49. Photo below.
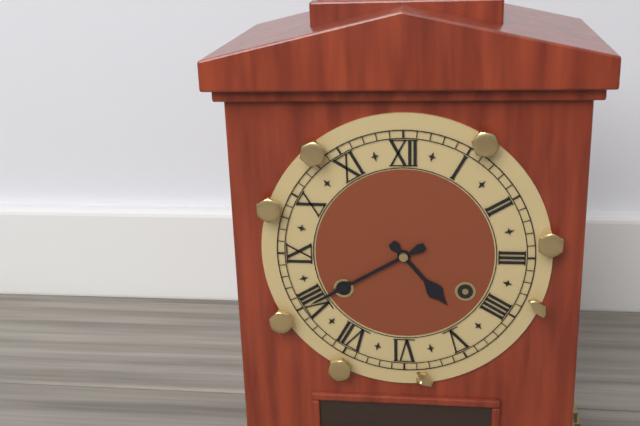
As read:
4:40
